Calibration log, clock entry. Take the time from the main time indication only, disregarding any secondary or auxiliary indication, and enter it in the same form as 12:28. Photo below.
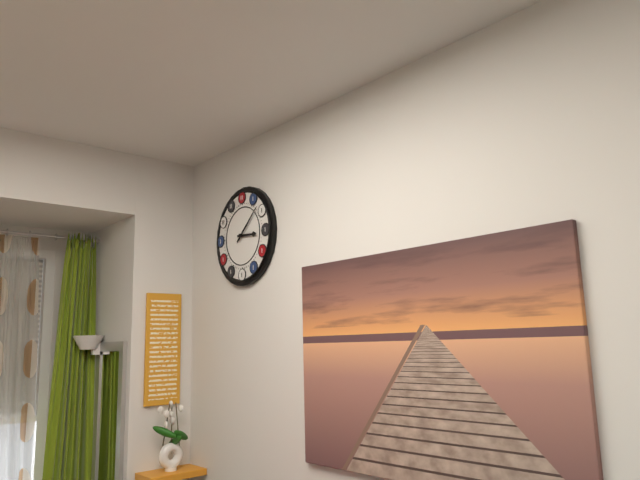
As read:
3:08
